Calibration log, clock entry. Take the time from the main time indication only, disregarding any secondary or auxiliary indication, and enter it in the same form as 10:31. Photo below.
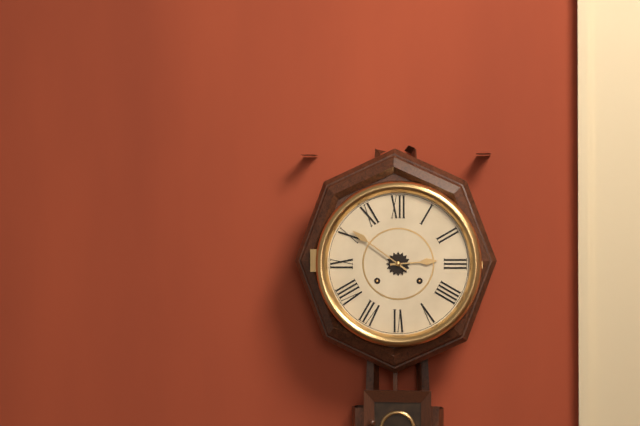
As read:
2:51
